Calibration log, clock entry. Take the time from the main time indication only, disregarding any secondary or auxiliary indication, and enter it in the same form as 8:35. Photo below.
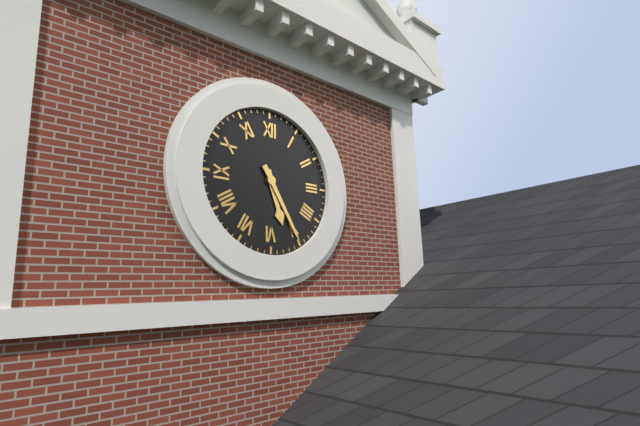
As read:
5:25
